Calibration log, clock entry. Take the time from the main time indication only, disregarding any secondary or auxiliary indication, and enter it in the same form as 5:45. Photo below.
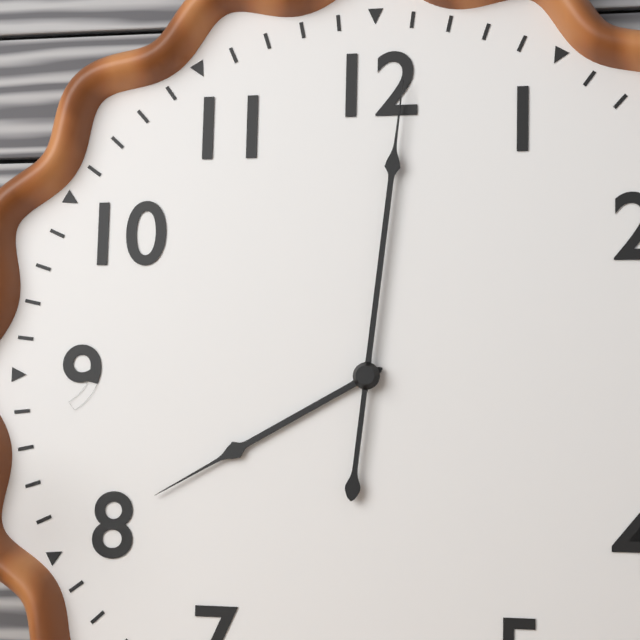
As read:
8:01
